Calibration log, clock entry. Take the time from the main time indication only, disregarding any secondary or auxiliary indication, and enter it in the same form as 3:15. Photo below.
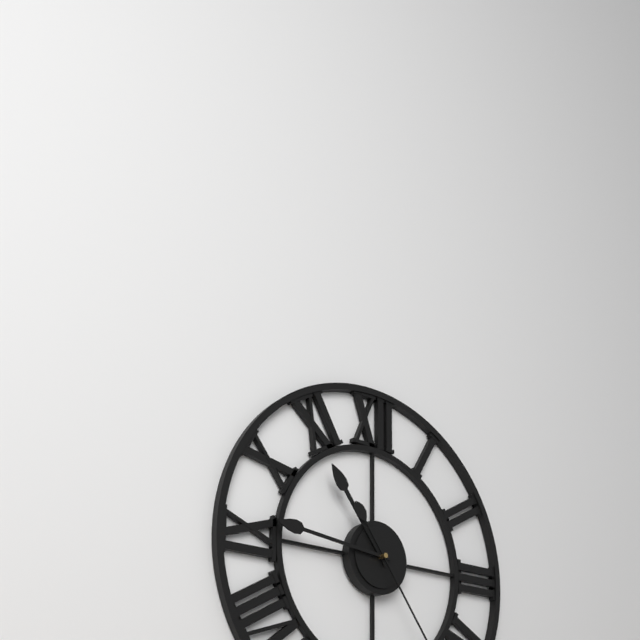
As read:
10:46
